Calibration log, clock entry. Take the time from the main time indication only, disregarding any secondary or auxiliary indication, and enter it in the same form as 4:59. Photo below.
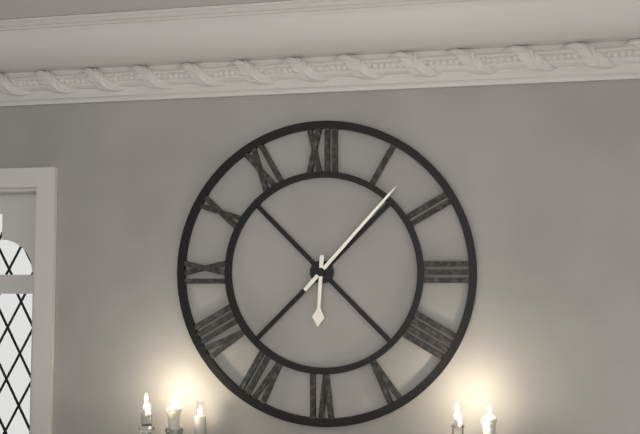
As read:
6:07
